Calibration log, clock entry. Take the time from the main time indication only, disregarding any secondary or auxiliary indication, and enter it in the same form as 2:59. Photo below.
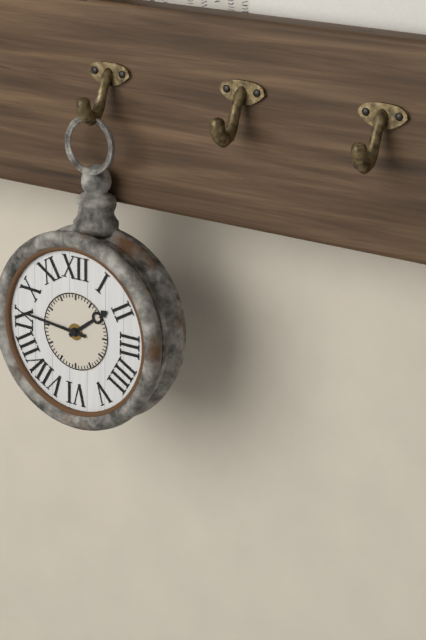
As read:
1:46
